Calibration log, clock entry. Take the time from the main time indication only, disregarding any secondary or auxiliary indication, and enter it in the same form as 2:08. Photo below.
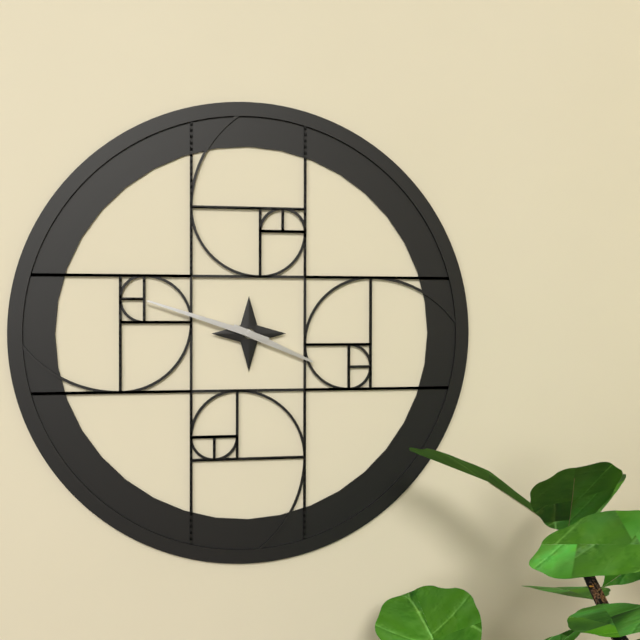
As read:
3:48
